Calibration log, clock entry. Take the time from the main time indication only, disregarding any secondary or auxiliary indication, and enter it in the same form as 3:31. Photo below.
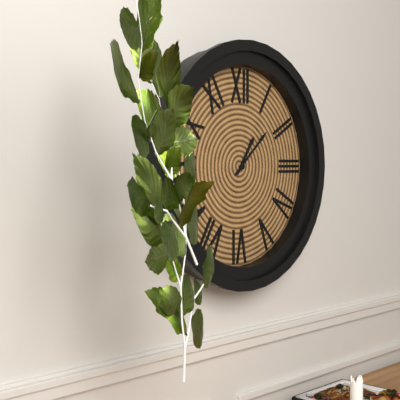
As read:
1:08
